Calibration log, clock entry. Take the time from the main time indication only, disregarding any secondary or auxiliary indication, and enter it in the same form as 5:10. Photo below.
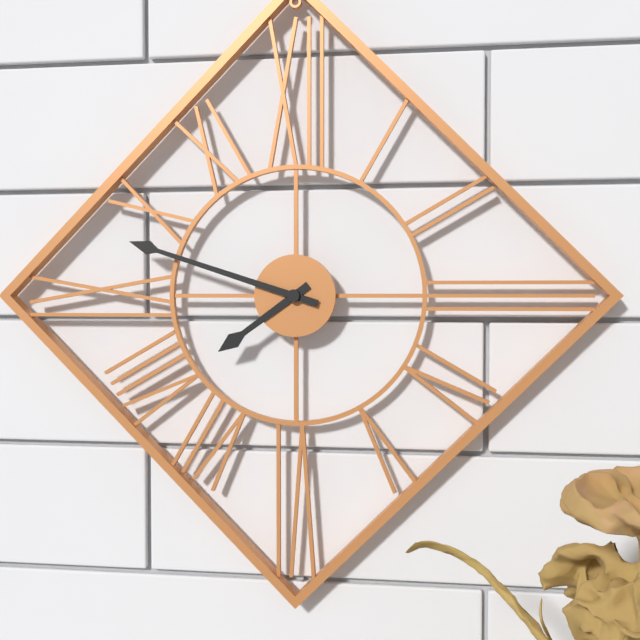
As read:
7:48
